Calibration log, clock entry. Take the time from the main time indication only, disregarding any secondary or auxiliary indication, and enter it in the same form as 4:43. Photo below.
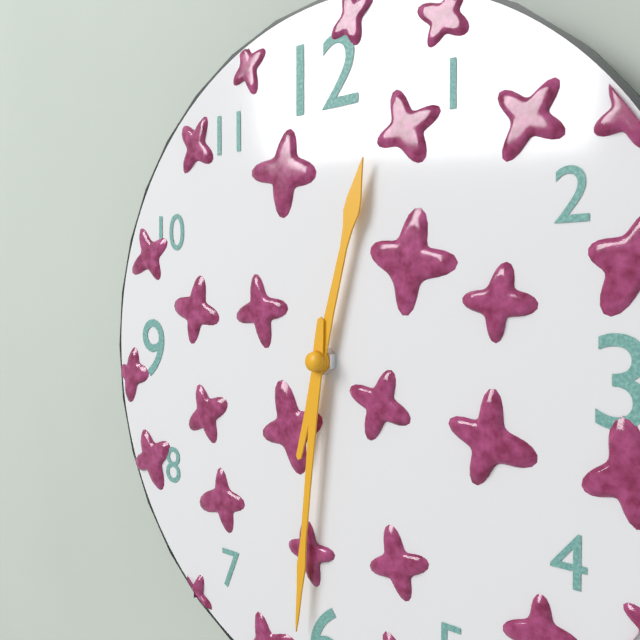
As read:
12:31
